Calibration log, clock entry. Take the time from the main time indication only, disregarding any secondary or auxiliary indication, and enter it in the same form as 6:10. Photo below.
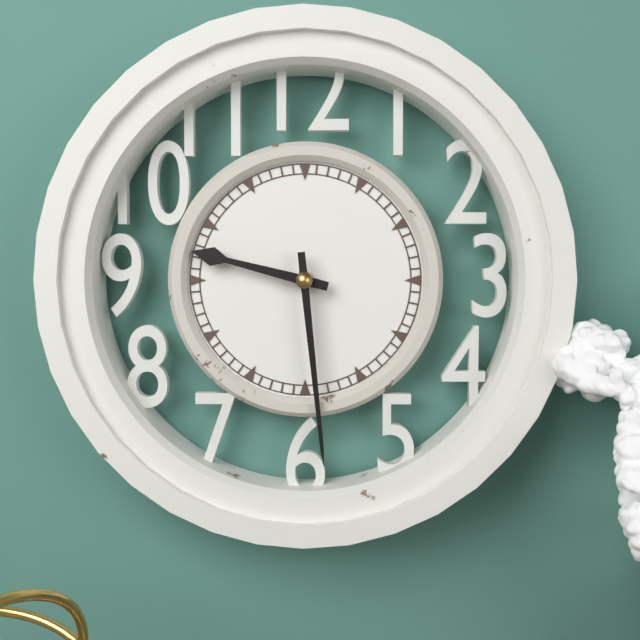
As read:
9:29
